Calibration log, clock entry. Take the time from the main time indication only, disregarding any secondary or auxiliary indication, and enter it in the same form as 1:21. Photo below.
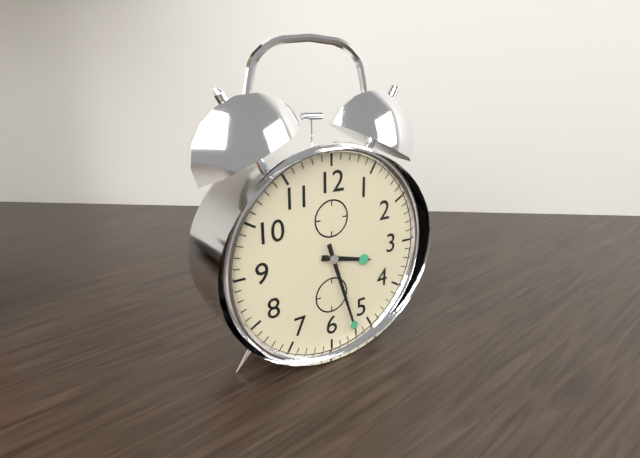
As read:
3:27
